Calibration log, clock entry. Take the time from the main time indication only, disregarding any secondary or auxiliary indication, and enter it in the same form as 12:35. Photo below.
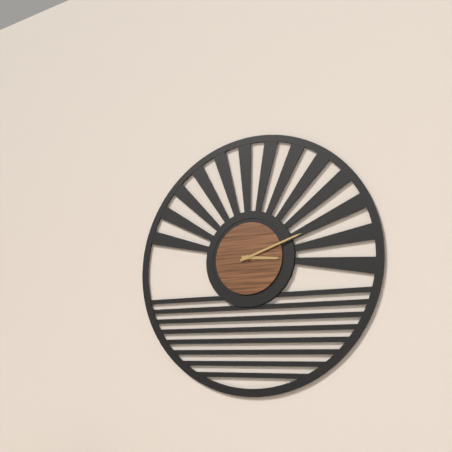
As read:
3:12
